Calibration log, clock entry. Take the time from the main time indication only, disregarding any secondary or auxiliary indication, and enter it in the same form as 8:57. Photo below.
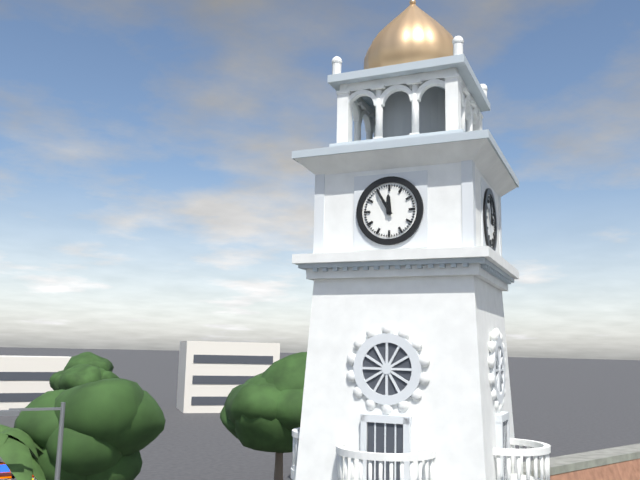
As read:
11:55
